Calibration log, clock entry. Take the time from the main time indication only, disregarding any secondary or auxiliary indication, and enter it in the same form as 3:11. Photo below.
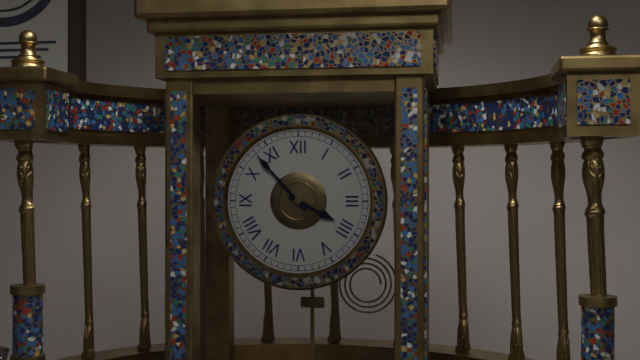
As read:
3:53
